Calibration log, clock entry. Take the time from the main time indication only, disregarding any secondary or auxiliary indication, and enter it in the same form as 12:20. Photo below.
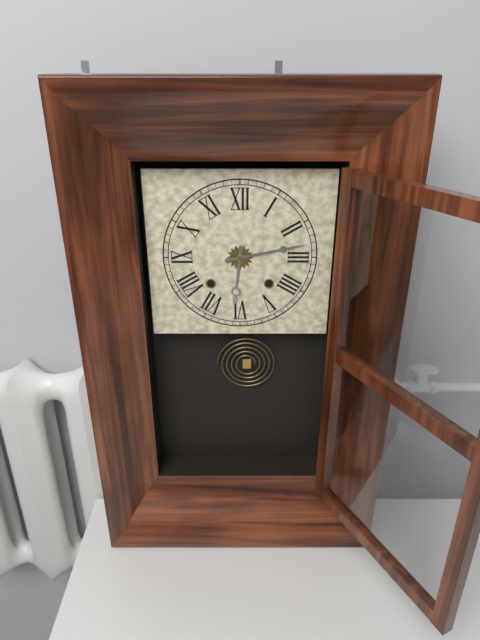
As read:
6:13
